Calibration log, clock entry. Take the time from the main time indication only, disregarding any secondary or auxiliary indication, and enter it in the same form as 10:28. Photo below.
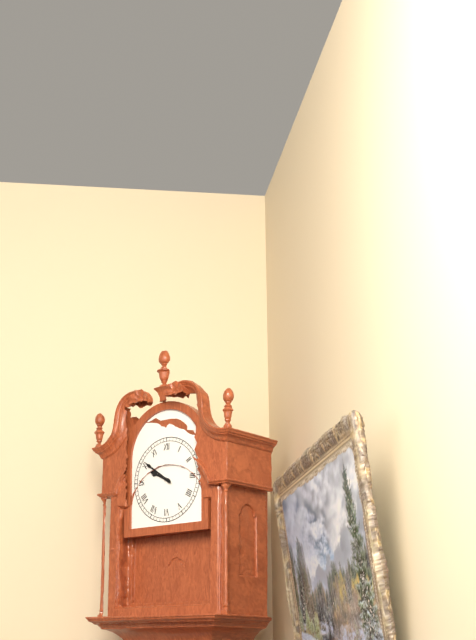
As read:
9:51
